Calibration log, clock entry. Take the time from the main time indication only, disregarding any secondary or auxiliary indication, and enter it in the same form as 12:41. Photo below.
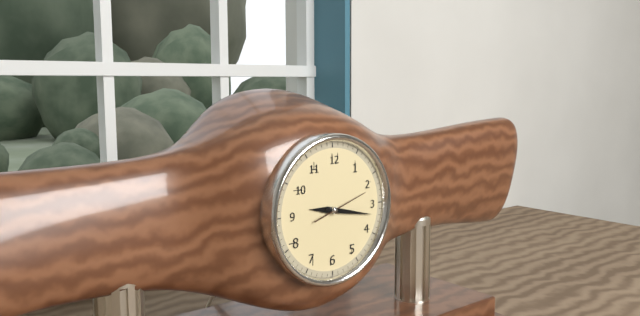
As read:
9:17
